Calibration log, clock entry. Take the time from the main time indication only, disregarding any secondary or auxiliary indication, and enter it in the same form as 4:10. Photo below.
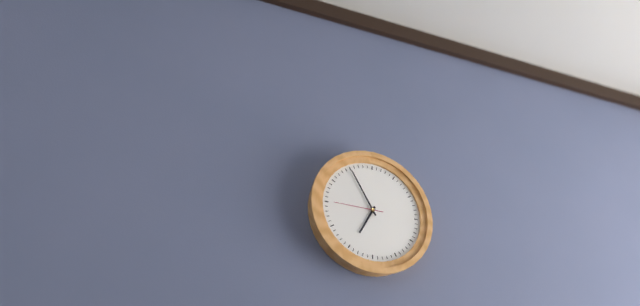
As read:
6:55
